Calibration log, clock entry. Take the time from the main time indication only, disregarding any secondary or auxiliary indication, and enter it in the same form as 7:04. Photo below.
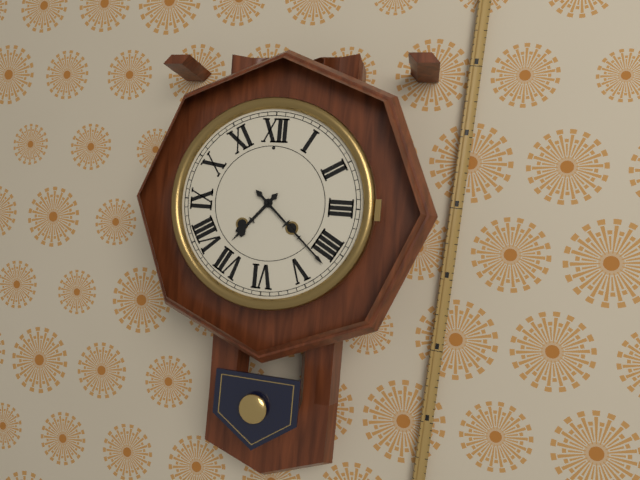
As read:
7:22
